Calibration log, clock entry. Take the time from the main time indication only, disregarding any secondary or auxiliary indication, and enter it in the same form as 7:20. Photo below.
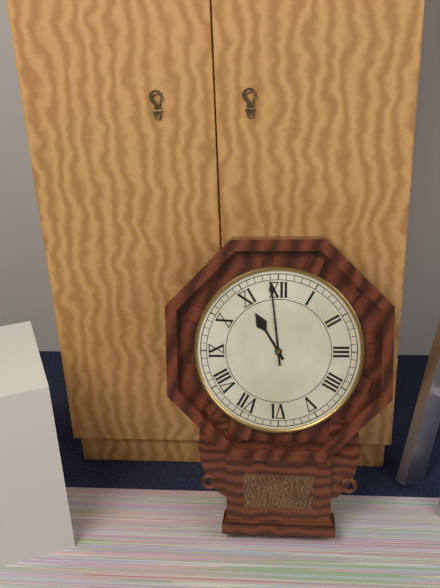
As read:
10:59
